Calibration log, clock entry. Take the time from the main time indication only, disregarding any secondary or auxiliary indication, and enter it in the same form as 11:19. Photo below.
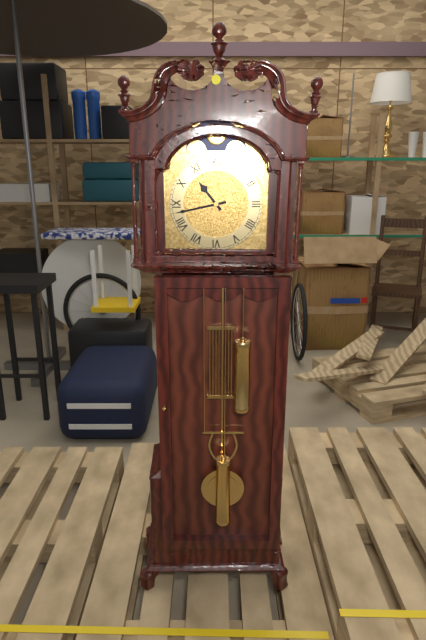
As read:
10:43
